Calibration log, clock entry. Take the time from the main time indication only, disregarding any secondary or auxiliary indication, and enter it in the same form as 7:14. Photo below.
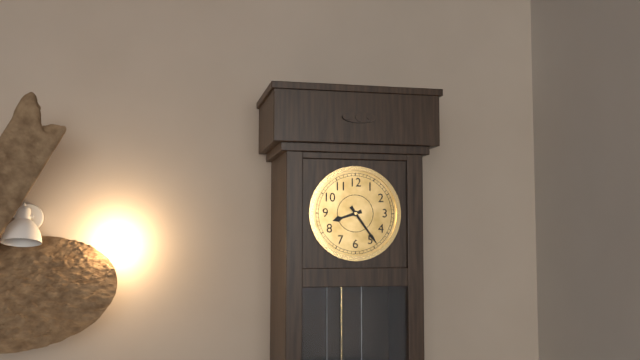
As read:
8:24
